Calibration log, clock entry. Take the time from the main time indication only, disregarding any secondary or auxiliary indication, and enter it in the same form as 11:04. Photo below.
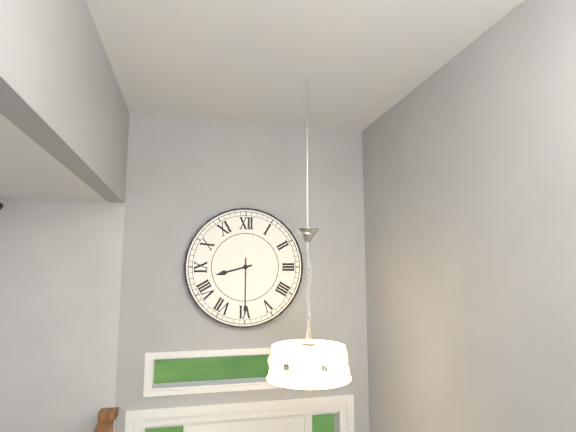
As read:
8:30
